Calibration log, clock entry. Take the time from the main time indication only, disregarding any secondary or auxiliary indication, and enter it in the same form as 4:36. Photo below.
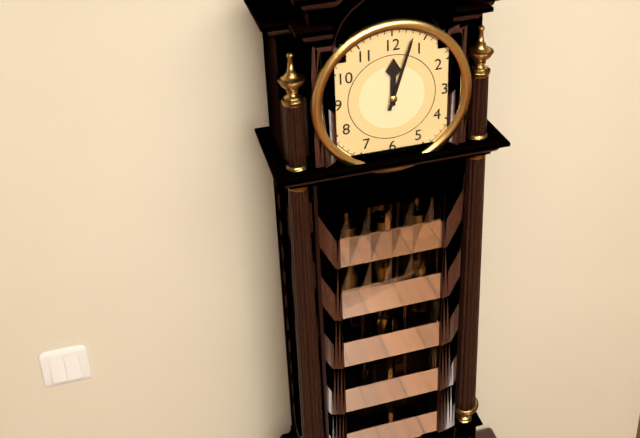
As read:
12:03
